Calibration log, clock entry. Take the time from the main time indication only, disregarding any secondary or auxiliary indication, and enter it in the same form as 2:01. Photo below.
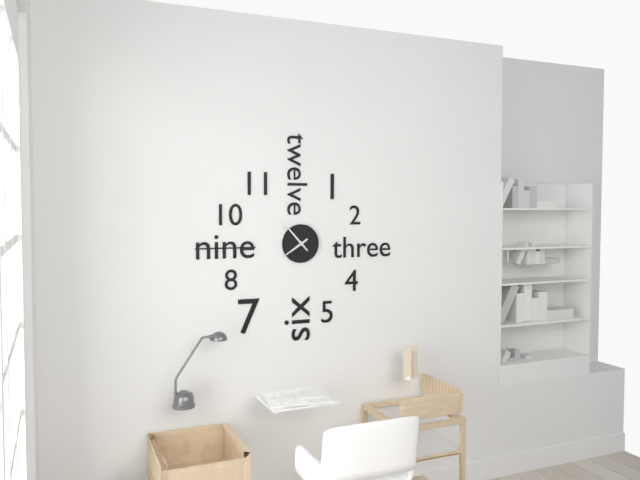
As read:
7:53
